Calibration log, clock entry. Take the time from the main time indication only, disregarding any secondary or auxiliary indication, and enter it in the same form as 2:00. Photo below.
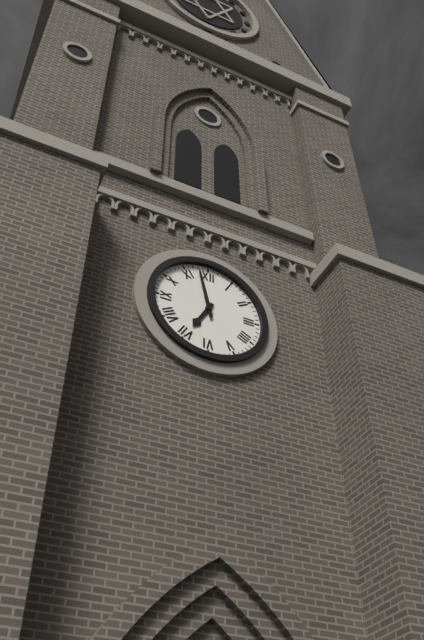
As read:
6:58
